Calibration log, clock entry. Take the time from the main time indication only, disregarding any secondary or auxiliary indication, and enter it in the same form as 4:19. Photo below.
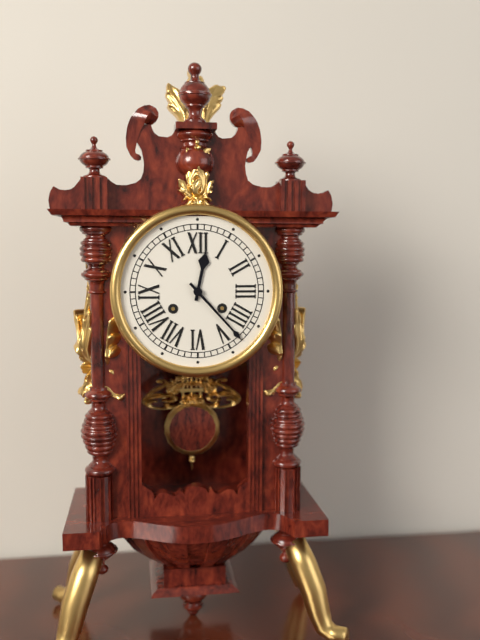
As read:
12:23
